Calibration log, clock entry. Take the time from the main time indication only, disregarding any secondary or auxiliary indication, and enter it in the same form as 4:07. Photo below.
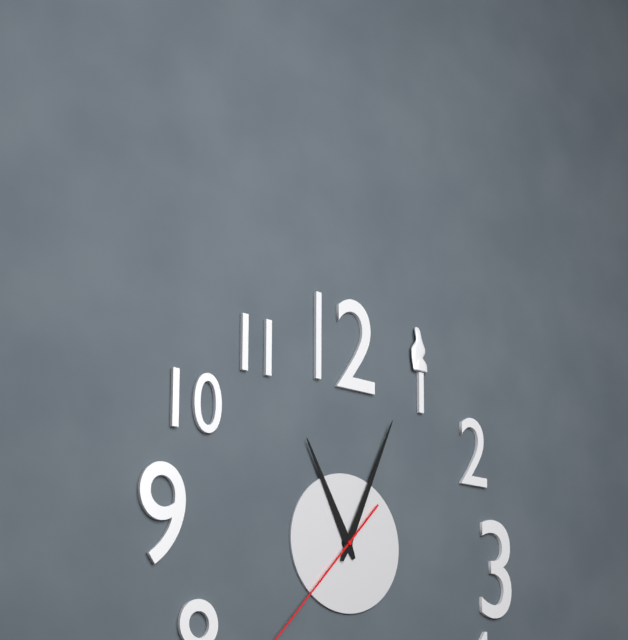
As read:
11:04
